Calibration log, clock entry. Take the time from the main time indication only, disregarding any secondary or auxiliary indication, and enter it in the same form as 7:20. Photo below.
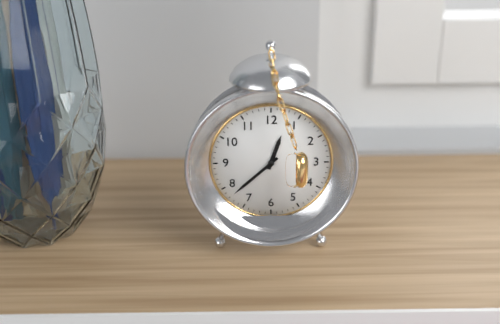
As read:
12:38
